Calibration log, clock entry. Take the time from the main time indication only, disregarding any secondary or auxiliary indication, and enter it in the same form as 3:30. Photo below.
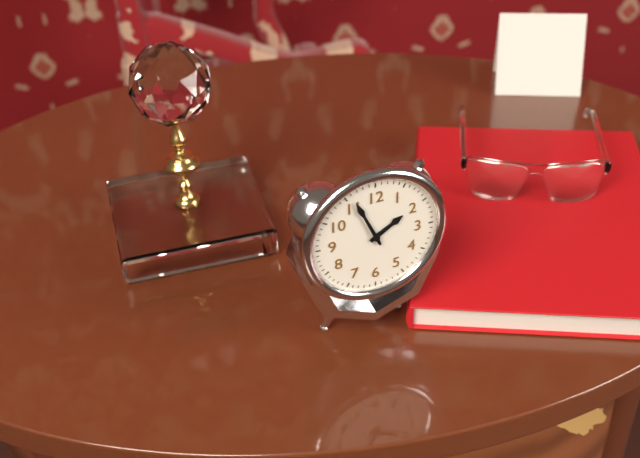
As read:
1:56
